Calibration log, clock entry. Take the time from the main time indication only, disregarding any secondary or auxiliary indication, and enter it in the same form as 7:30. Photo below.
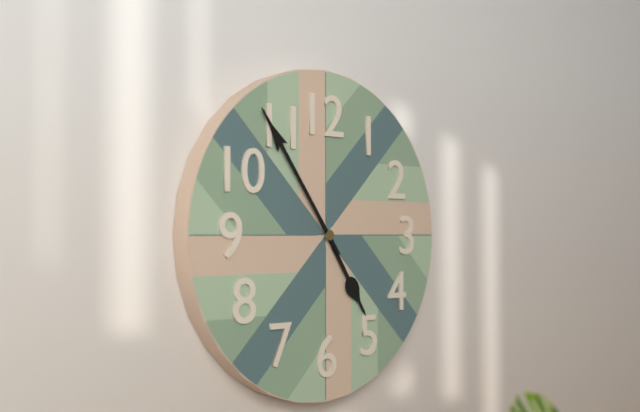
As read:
4:54
